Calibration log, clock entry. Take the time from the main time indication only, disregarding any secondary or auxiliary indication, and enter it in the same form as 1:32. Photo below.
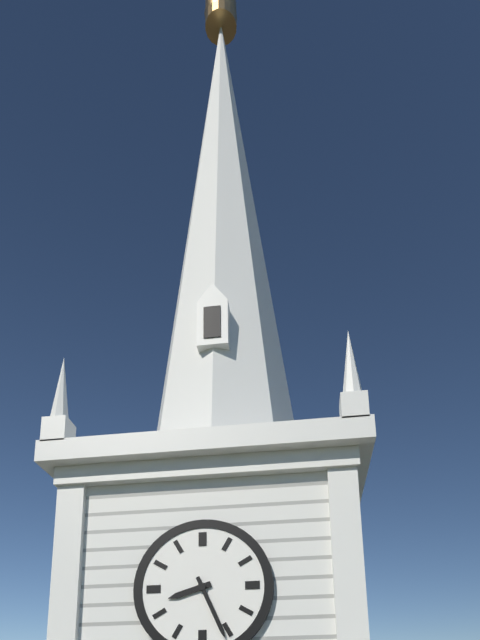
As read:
8:26
